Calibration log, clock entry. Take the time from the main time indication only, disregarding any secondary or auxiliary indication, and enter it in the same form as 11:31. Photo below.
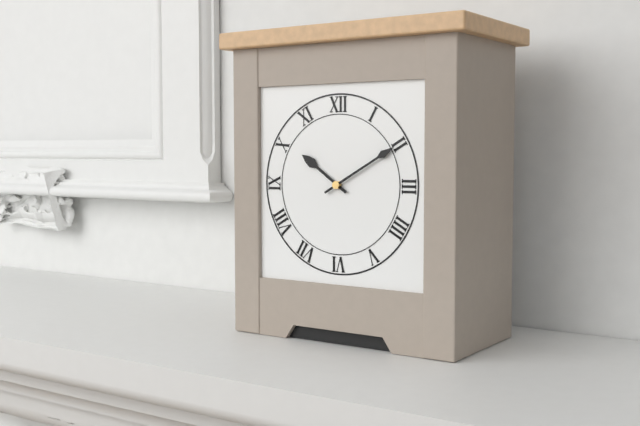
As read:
10:10
